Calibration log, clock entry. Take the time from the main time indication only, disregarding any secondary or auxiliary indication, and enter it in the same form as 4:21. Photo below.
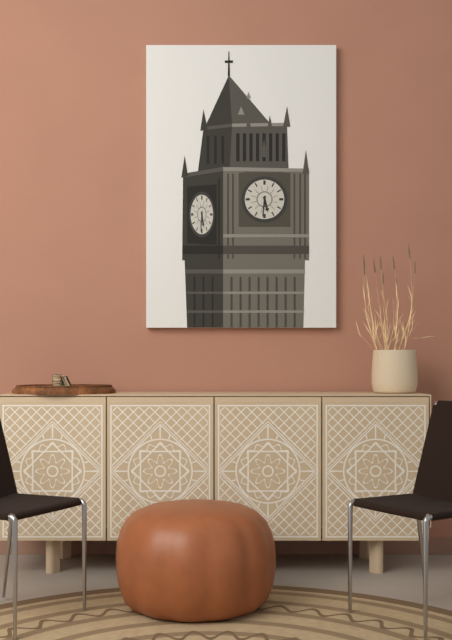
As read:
5:31
